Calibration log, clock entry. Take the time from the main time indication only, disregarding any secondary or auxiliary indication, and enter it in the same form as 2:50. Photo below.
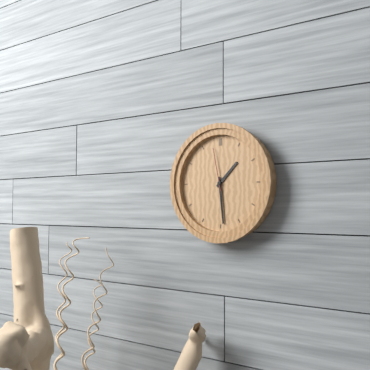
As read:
1:29
